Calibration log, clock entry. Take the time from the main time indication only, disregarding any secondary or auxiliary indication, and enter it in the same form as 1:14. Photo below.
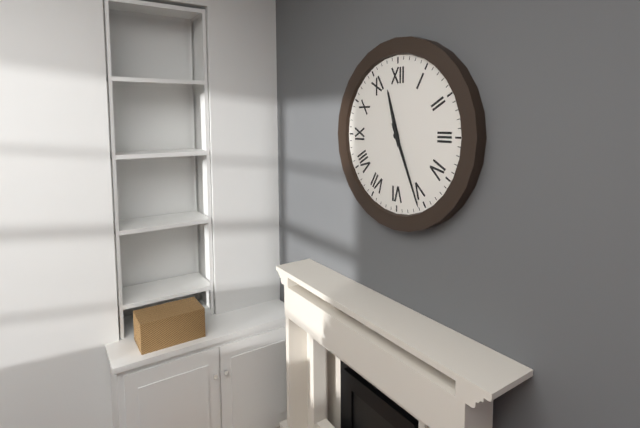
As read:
11:26
